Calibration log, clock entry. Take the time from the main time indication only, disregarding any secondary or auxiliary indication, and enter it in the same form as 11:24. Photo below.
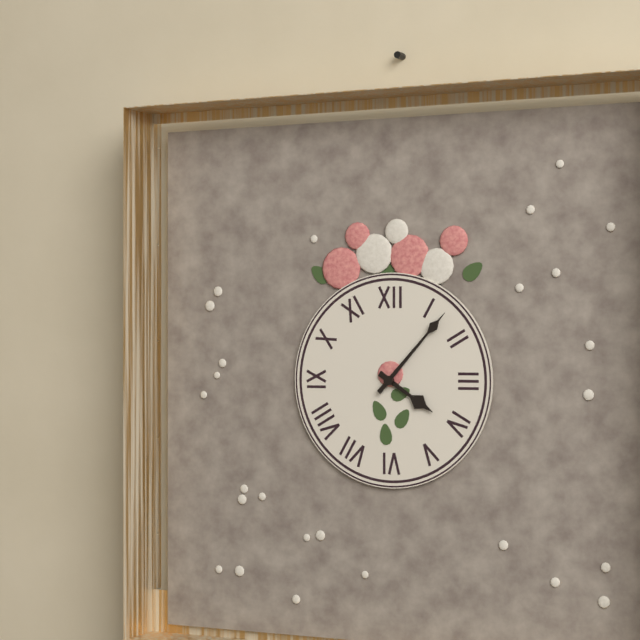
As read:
4:07
